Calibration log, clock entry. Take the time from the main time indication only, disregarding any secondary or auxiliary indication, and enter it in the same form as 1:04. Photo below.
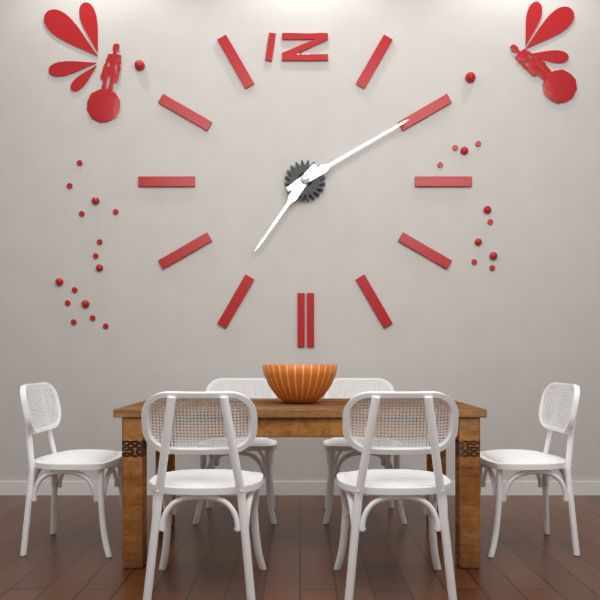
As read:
7:10
